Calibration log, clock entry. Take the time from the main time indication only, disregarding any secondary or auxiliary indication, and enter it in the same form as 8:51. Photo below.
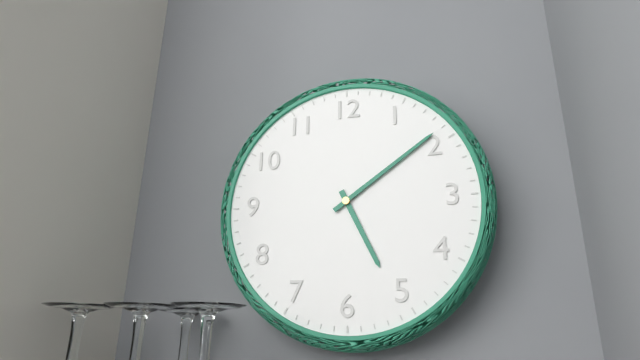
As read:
5:09
